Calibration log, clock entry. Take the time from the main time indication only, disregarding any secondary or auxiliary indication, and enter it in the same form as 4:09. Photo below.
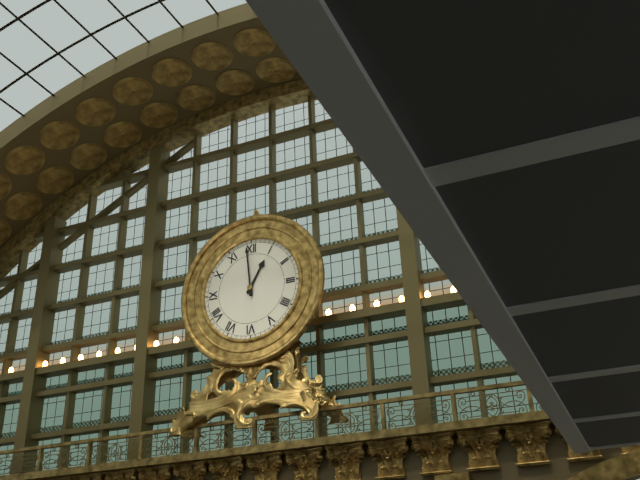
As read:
12:59
